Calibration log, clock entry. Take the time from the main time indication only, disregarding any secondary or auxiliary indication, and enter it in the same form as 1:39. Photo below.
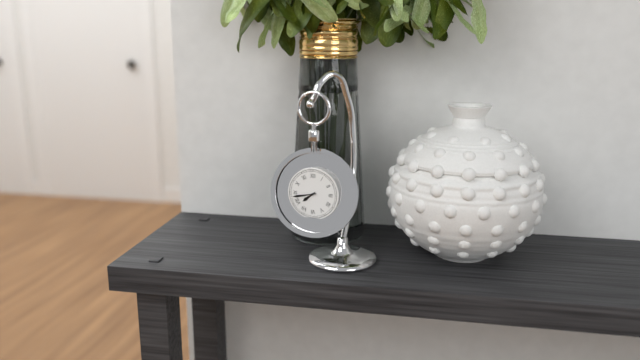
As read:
7:43
